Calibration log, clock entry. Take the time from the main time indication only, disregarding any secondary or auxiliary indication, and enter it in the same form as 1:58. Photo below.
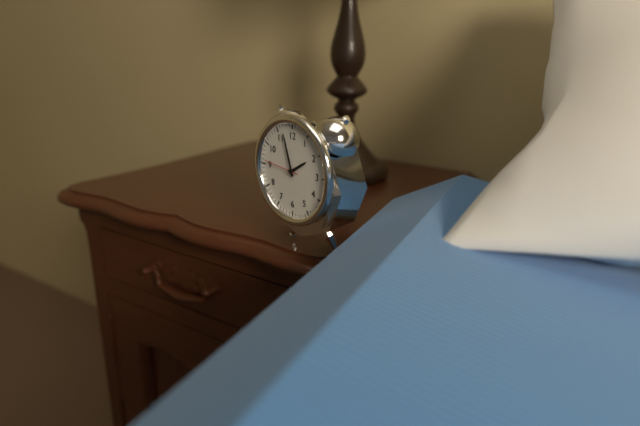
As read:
1:57
